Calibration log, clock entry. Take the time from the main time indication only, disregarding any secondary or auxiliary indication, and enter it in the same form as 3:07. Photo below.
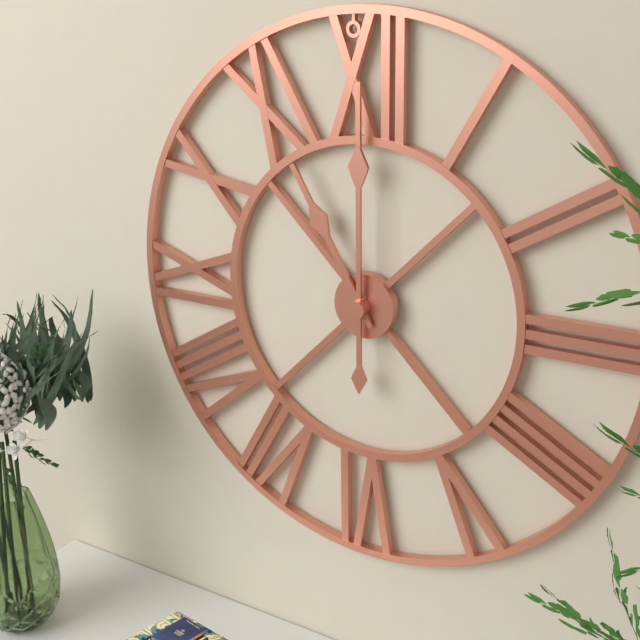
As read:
11:00
